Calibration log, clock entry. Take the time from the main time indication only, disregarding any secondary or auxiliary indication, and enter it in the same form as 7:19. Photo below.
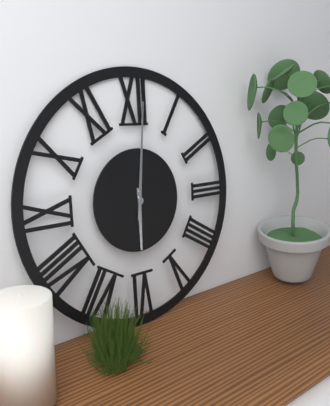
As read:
6:01
